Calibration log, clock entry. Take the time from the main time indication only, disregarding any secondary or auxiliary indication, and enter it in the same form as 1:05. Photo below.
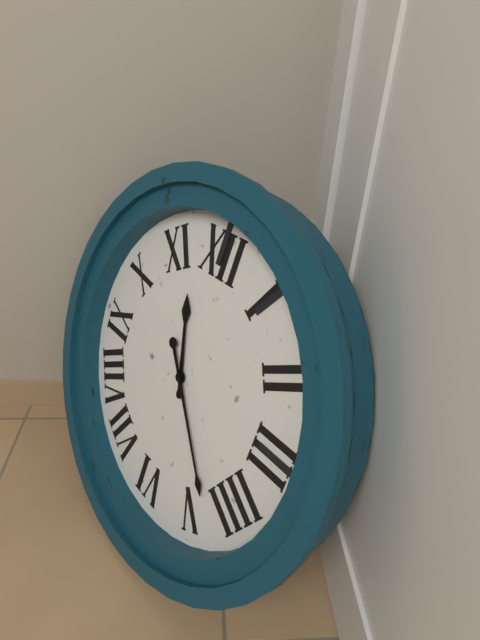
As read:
11:23
